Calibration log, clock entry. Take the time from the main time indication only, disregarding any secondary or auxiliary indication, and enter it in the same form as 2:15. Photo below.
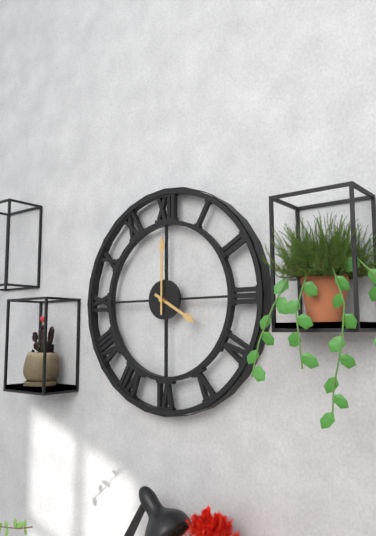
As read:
4:00
